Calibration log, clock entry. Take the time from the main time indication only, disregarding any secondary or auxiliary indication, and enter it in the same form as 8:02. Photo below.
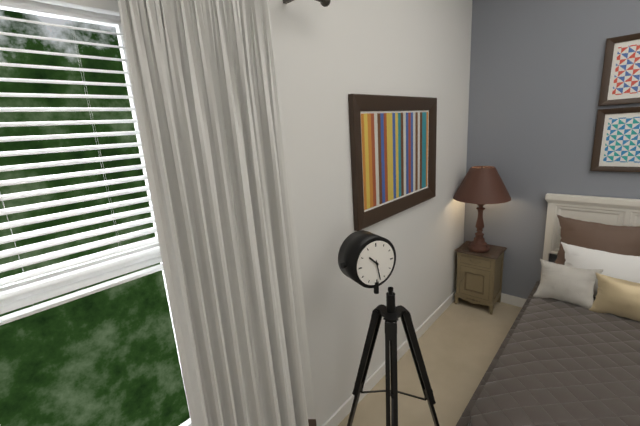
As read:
10:28
